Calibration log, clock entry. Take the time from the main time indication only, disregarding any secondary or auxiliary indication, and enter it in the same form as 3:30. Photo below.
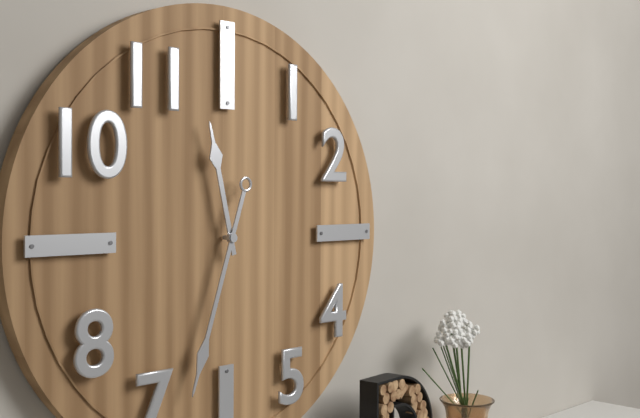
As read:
11:33
